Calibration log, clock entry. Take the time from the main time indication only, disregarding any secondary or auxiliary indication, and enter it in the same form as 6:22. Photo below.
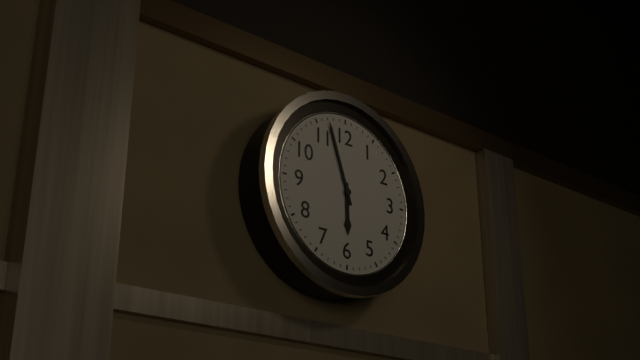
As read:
5:57
